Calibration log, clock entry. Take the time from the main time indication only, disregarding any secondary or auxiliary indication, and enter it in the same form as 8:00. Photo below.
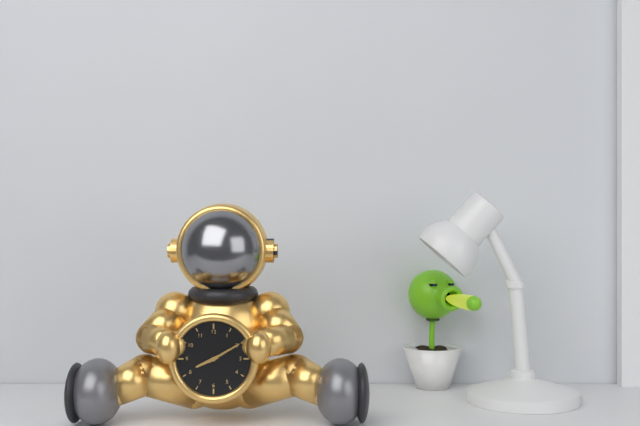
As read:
8:10
